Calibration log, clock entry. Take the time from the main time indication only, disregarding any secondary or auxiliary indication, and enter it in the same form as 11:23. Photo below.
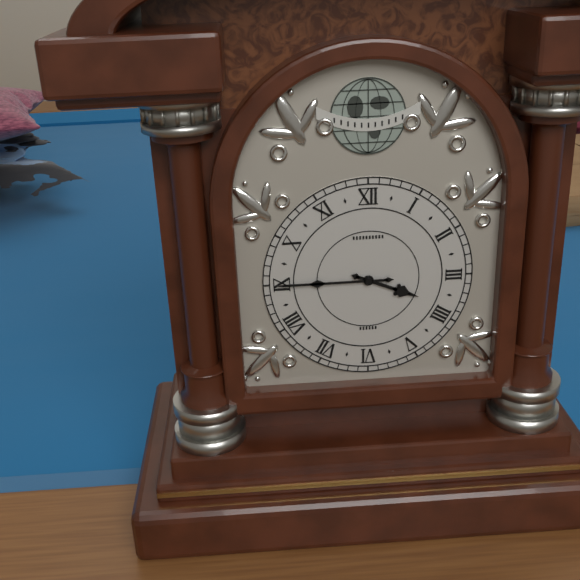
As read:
3:45
